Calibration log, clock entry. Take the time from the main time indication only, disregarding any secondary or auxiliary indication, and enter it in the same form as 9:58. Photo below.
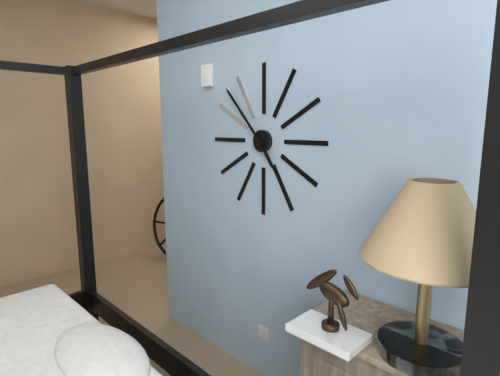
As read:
4:53
